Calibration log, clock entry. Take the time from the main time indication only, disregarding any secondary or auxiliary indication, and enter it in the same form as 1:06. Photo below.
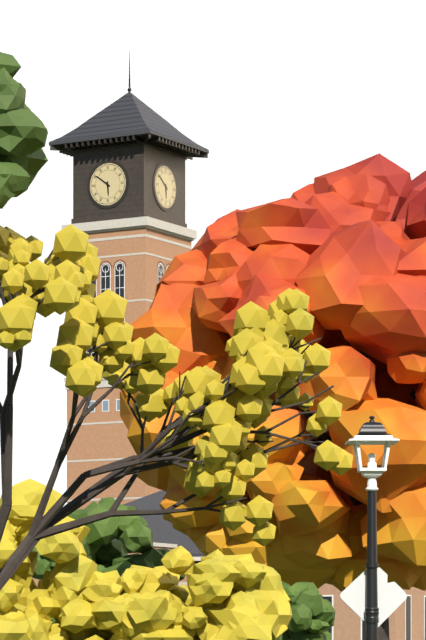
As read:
5:51
